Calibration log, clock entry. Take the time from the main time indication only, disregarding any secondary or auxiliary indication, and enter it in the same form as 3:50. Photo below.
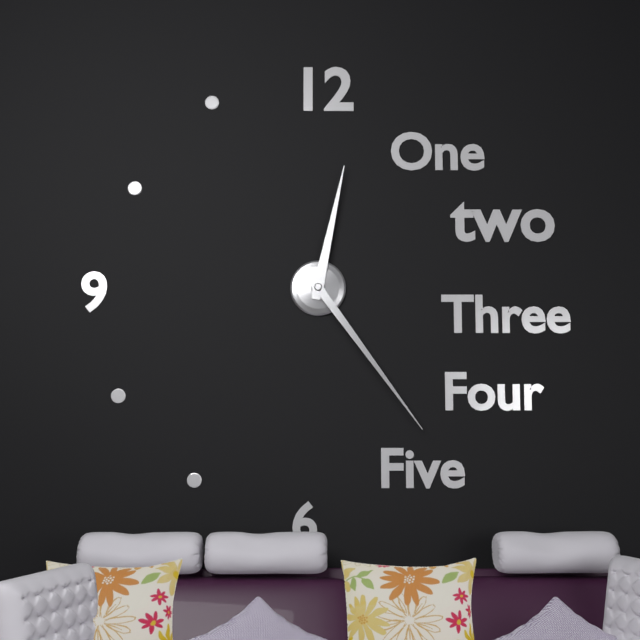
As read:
12:24
